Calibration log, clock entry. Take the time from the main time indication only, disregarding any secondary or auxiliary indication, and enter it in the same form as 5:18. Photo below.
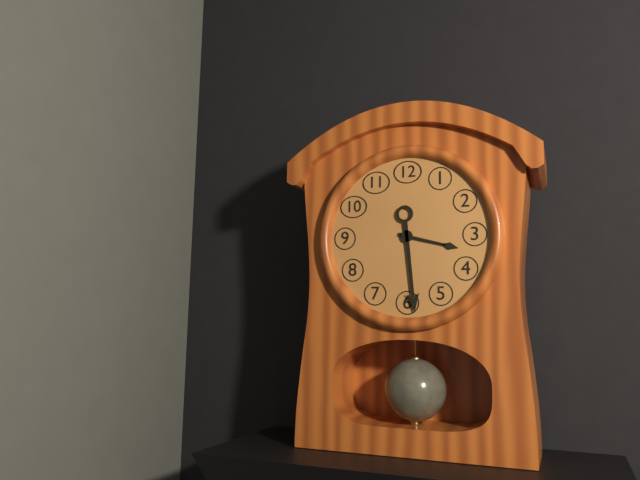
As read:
3:29
